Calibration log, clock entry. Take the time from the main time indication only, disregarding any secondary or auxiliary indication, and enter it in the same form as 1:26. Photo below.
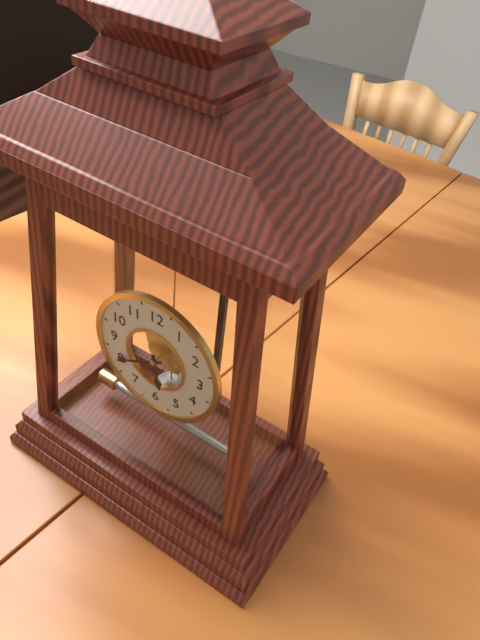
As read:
5:40
